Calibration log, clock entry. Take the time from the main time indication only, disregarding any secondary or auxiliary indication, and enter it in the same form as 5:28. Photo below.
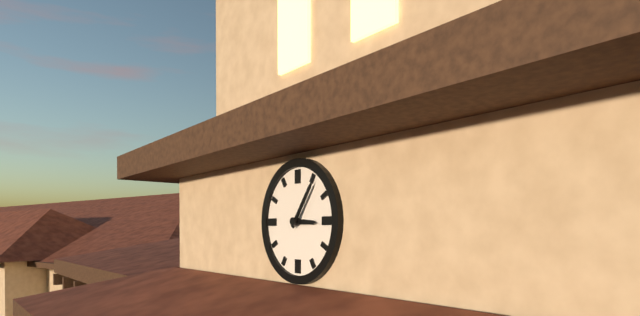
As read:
3:06
